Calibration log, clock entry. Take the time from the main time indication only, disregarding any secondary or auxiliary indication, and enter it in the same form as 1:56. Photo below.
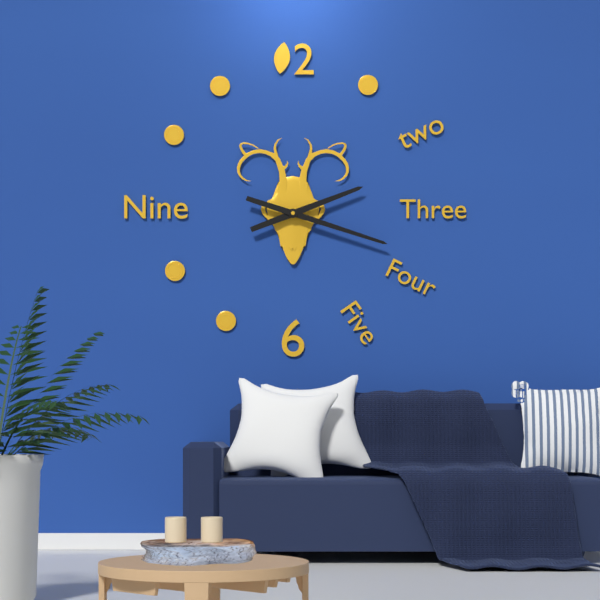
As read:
2:18
